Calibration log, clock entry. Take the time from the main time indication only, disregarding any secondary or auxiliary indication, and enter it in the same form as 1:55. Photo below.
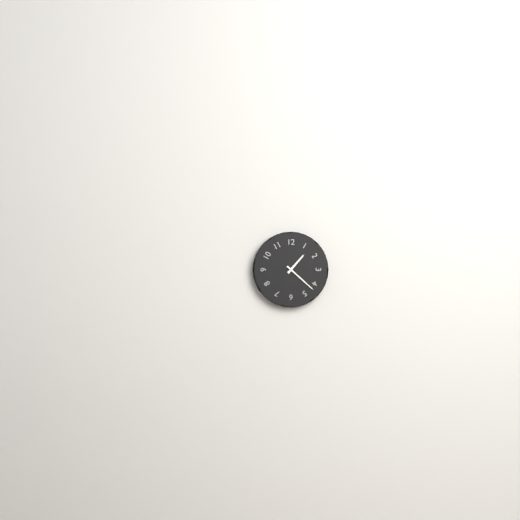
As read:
1:22
